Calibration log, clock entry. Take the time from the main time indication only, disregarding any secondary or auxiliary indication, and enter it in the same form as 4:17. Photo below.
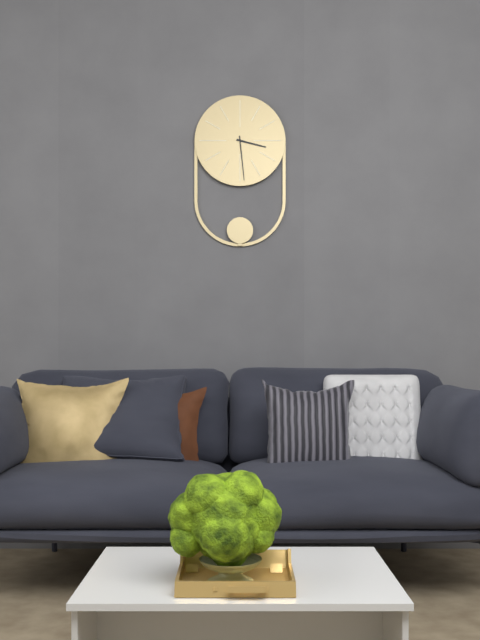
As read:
3:29
